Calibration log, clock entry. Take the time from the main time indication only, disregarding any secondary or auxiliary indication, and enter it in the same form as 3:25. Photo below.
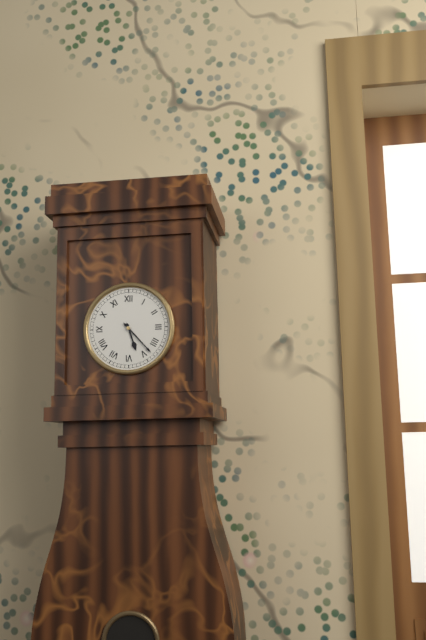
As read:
5:23
